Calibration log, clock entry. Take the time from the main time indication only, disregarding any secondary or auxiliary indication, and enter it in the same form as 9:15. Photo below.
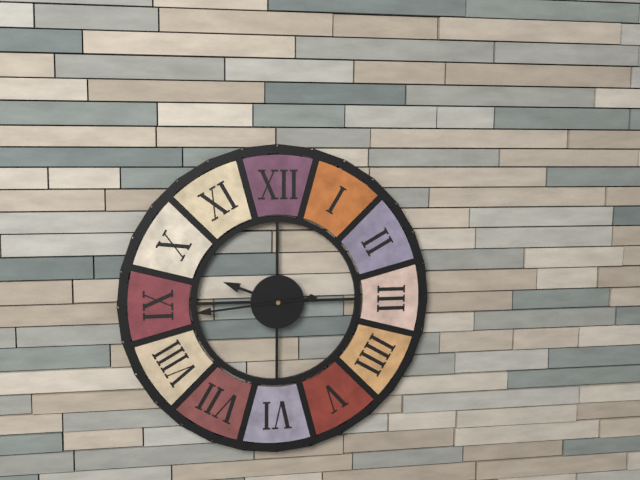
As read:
9:44
